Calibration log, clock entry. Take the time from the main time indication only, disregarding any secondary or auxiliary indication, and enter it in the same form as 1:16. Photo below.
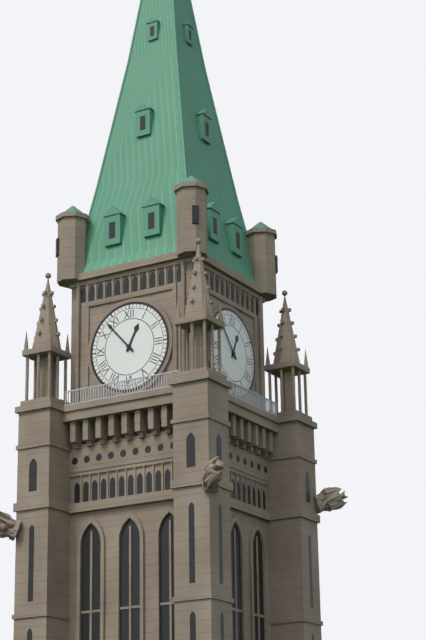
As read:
12:53
